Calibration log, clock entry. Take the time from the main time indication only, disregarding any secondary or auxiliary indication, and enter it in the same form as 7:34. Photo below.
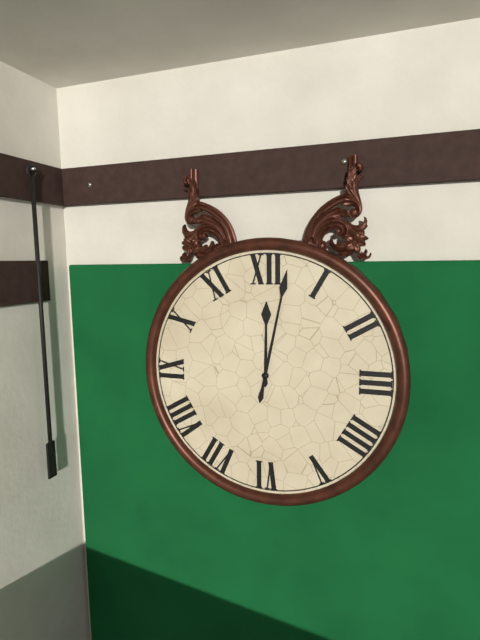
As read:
12:02
